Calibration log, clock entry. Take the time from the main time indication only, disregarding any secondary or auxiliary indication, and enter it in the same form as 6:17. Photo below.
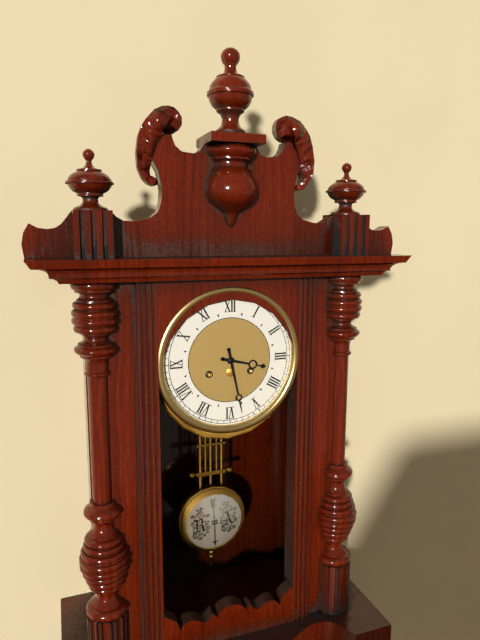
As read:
3:28
